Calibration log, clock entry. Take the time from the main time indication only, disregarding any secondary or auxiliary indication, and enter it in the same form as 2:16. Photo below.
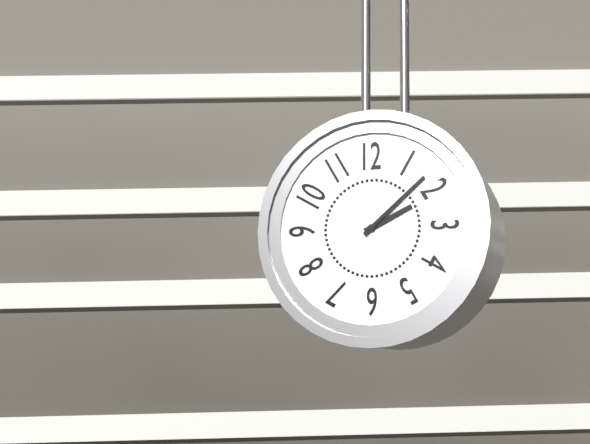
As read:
2:08
